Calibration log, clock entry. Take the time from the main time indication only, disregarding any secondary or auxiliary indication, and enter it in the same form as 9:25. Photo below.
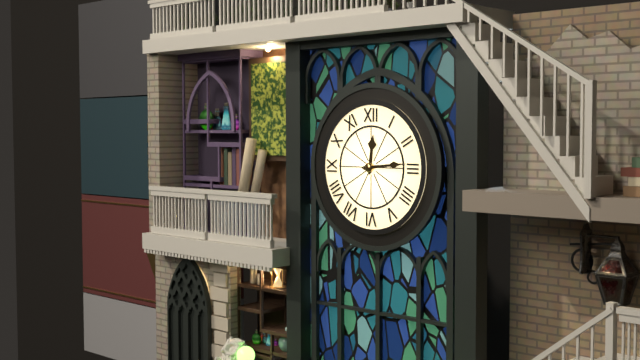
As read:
12:14
